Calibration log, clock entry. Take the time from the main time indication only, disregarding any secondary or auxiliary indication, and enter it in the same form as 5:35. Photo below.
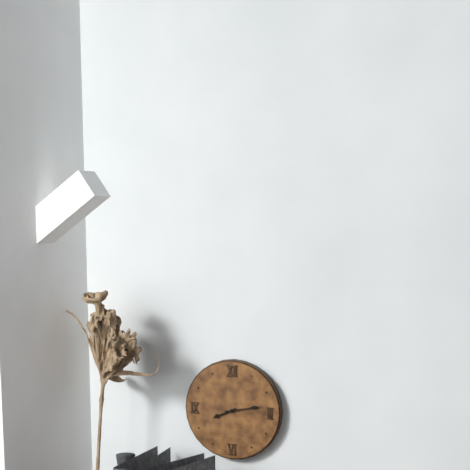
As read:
8:13
